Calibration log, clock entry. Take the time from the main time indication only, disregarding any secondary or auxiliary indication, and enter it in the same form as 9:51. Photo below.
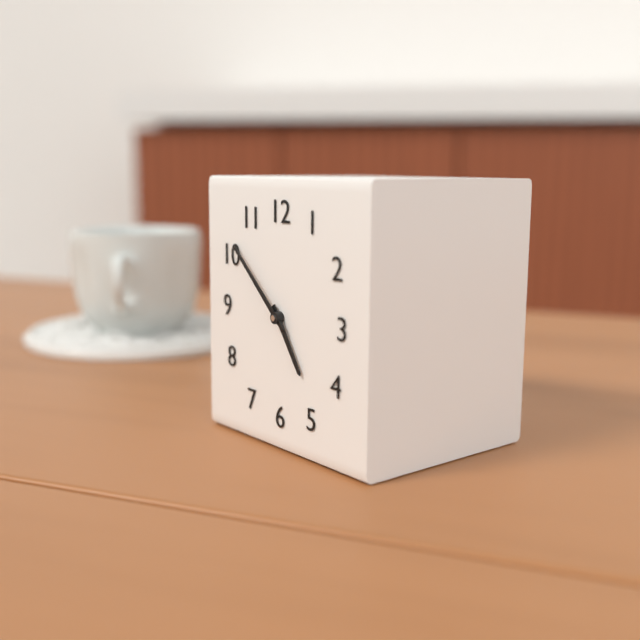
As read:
4:52
